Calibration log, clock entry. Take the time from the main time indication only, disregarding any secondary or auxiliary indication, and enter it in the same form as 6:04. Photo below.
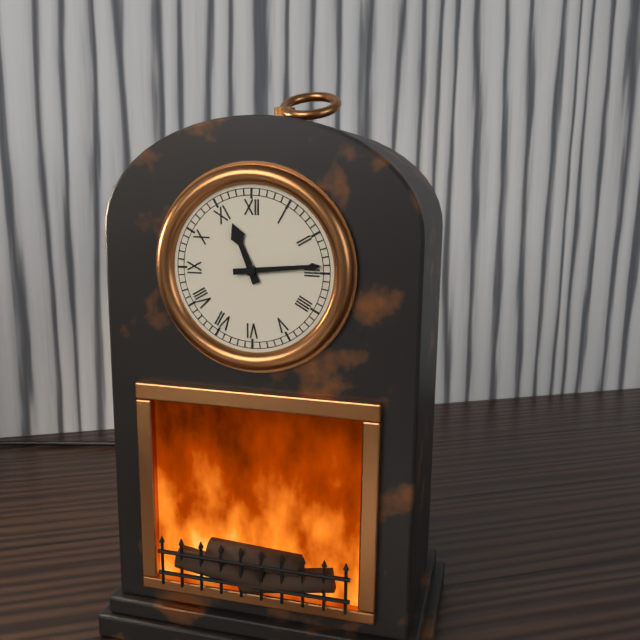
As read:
11:14
